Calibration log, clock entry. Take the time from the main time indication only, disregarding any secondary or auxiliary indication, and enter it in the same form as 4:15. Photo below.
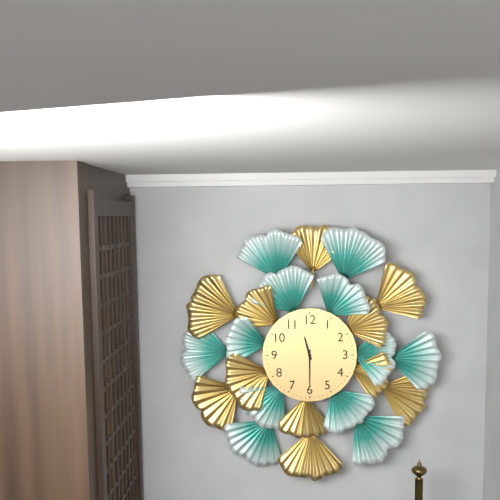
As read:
11:30
